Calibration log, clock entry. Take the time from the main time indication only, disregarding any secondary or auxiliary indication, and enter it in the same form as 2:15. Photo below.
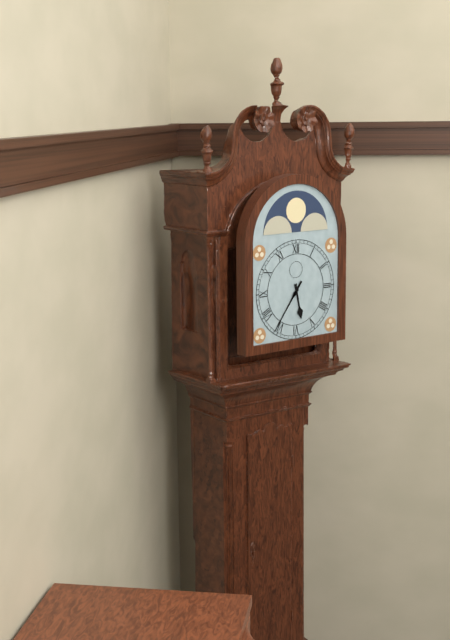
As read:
5:36
